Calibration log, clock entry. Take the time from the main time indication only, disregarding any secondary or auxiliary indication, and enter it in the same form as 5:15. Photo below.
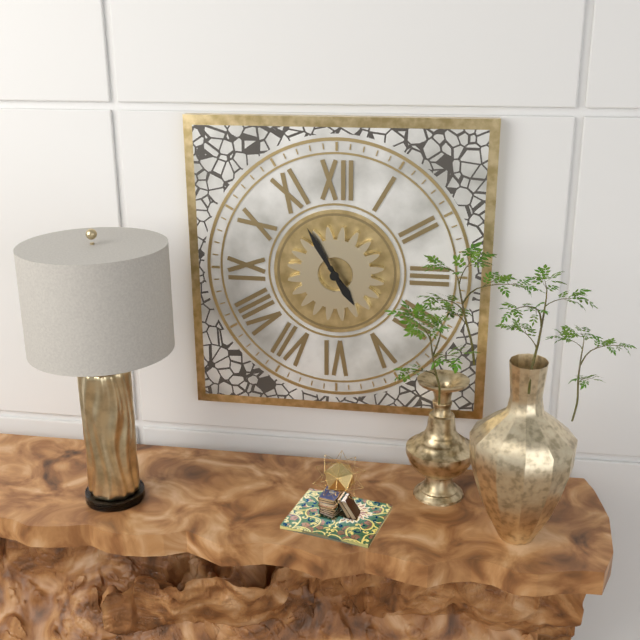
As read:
4:55
